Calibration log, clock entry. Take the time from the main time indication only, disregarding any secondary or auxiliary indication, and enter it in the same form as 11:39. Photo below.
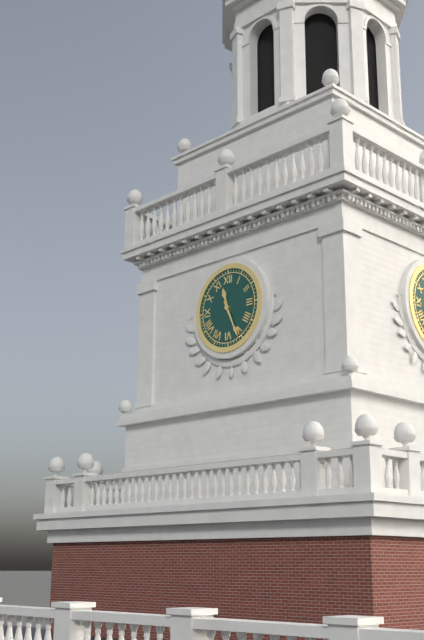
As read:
11:26
